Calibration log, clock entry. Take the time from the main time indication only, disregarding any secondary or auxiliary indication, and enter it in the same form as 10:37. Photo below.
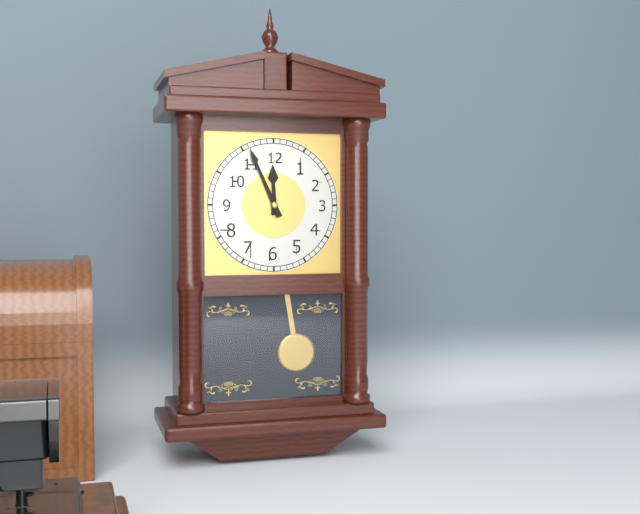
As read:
11:56
